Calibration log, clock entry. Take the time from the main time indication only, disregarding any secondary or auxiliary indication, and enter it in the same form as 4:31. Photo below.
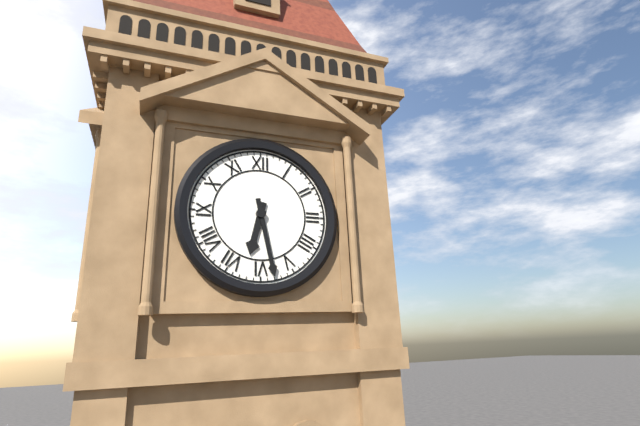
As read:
6:28
